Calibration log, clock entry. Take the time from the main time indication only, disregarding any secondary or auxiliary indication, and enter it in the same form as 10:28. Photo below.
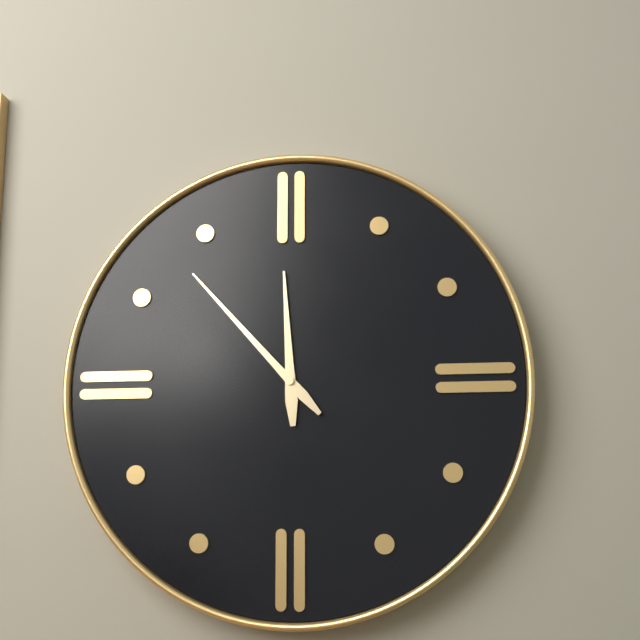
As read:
11:53
